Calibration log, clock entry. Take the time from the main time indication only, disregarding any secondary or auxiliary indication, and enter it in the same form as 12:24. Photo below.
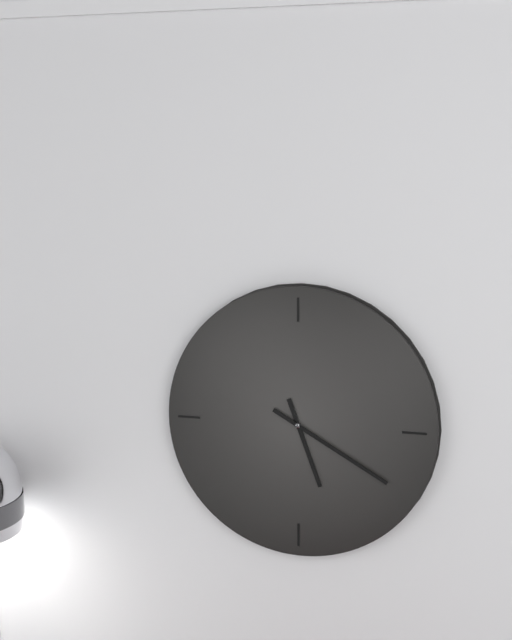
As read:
5:20
